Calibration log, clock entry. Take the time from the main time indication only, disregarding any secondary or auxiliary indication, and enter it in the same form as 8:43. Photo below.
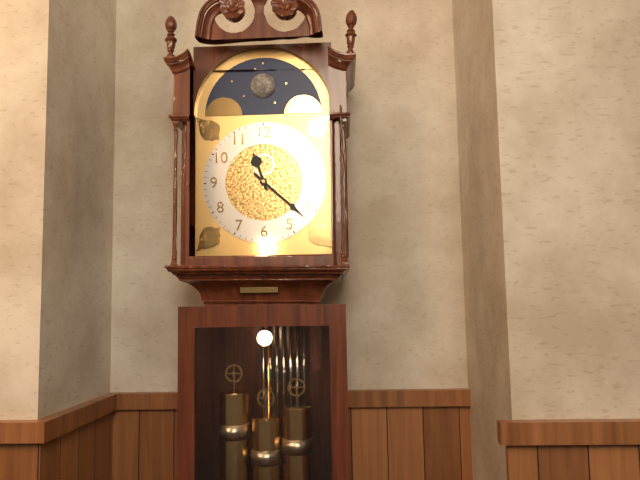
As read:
11:22
